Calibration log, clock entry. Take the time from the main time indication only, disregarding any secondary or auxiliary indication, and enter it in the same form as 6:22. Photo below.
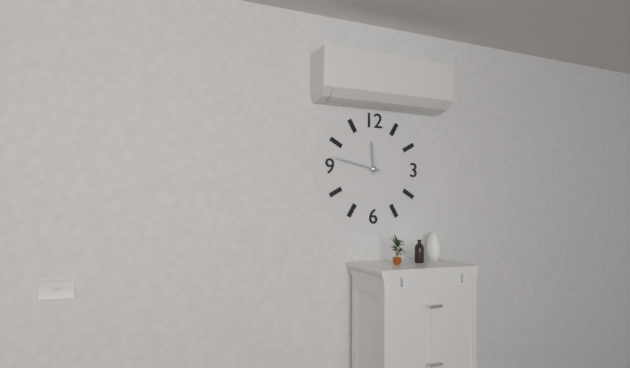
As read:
11:47
